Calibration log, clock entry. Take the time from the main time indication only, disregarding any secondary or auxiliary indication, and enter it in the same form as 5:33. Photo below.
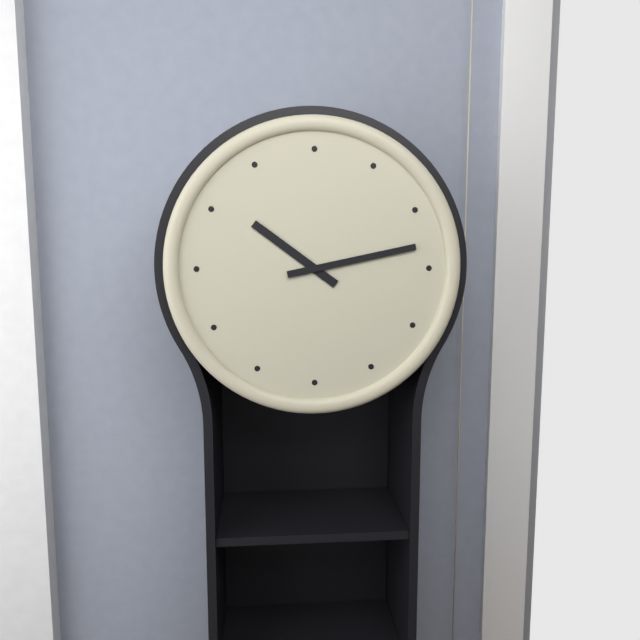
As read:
10:13
